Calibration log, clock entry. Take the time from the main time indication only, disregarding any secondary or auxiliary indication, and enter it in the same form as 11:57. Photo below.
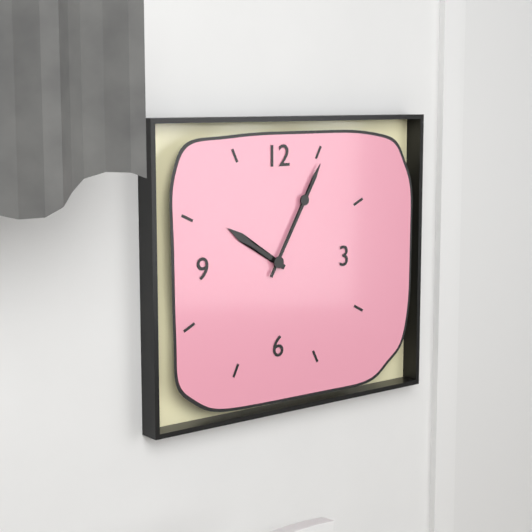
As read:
10:05
